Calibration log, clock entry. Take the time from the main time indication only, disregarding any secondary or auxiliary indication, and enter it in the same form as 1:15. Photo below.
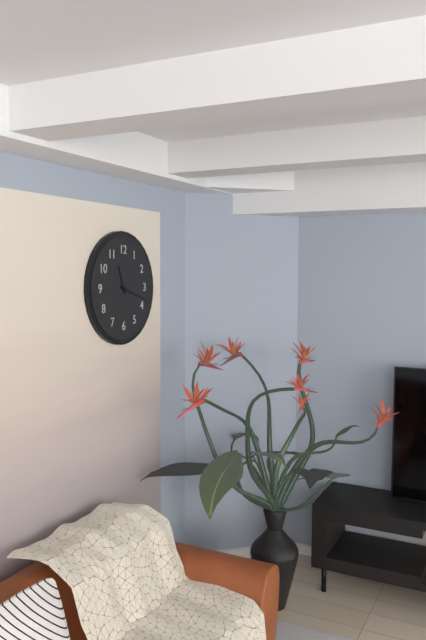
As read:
11:18
